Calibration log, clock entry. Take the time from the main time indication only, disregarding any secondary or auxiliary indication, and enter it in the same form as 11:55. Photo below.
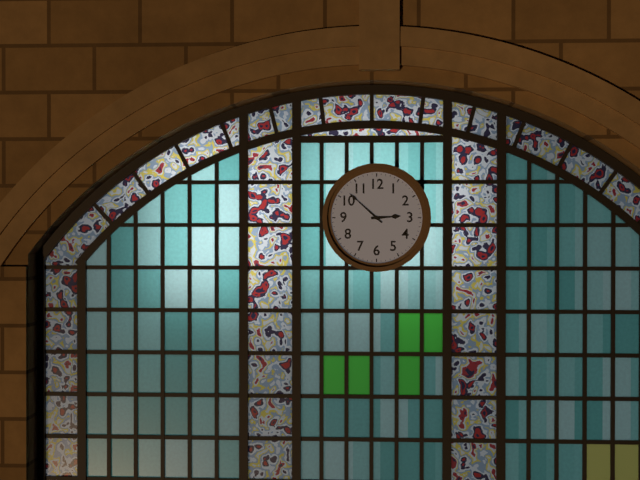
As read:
2:52
